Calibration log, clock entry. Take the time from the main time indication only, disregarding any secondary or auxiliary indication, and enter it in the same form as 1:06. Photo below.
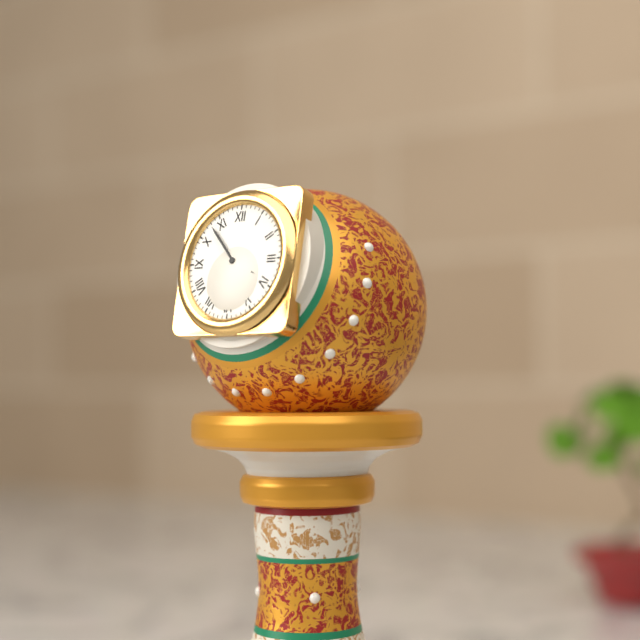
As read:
3:53
